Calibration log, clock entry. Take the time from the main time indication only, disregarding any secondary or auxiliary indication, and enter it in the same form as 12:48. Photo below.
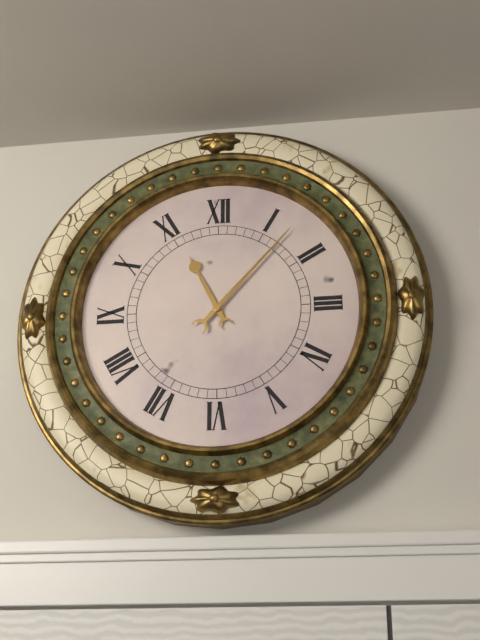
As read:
11:07
